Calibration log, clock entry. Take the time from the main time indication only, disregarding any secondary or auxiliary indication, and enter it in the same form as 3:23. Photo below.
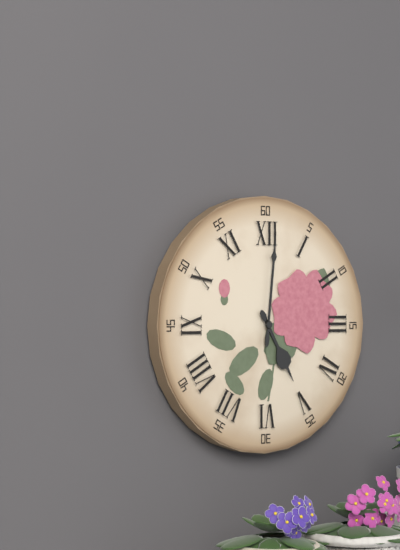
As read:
5:01
